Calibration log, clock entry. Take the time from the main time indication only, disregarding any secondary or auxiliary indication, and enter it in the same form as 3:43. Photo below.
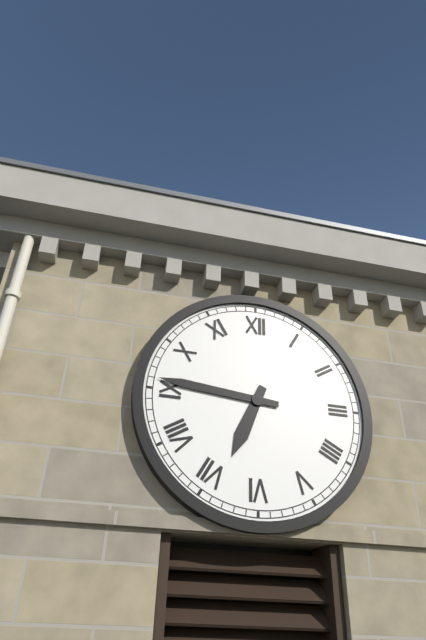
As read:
6:46
